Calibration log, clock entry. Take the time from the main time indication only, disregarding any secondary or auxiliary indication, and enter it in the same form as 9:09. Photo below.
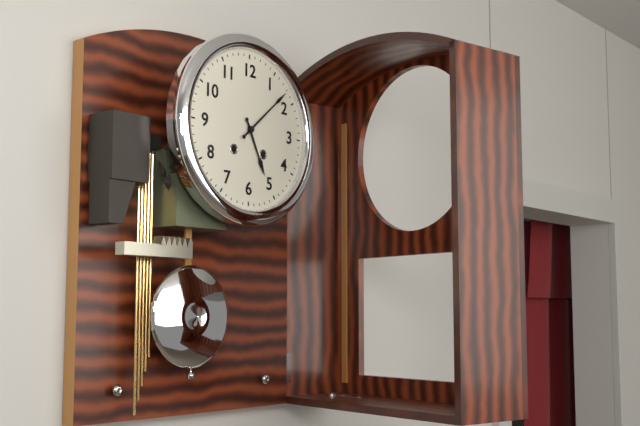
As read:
5:08
